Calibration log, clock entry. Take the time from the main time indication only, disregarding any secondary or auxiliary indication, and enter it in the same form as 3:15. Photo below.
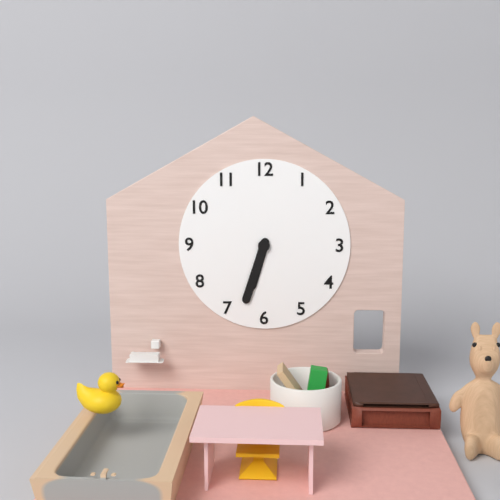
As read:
6:33
